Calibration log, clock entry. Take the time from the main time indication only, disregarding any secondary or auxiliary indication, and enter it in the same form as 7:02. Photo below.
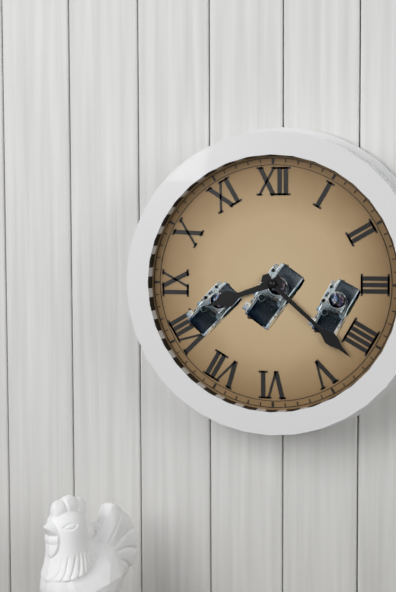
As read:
8:22
